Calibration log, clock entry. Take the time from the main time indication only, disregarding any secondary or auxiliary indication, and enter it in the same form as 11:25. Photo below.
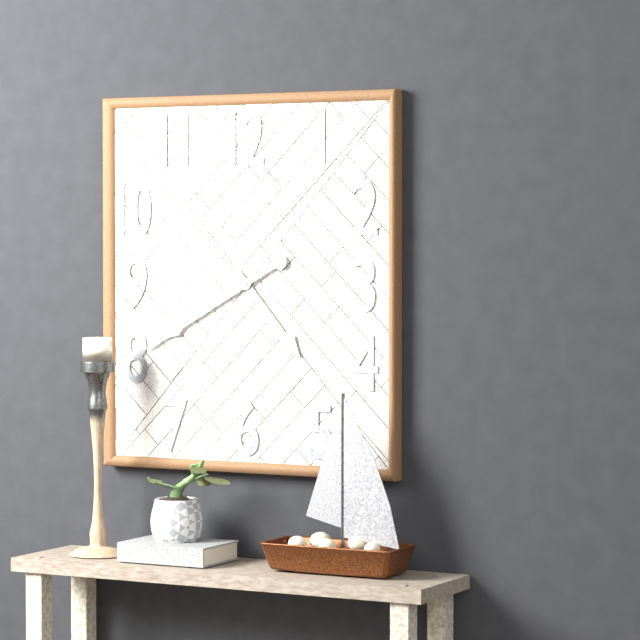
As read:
4:40
